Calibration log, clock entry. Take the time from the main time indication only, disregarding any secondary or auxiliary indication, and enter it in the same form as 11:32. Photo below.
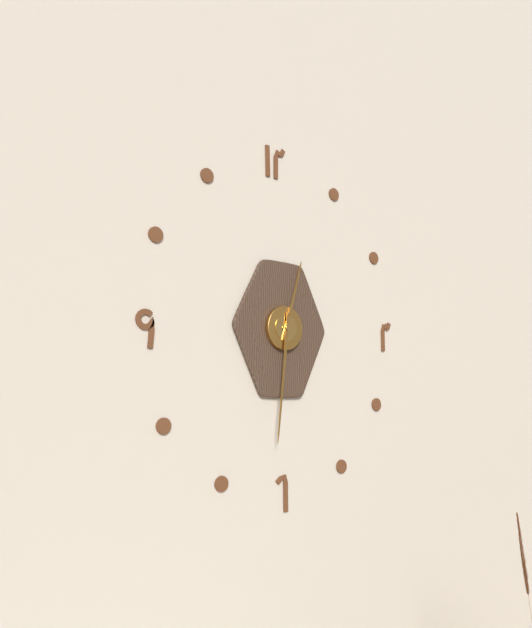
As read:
12:31
